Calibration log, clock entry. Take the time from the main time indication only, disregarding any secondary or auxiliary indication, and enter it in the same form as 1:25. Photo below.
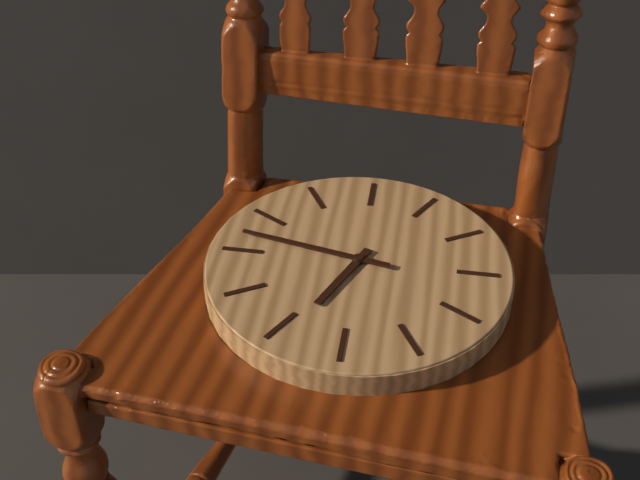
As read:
6:47
